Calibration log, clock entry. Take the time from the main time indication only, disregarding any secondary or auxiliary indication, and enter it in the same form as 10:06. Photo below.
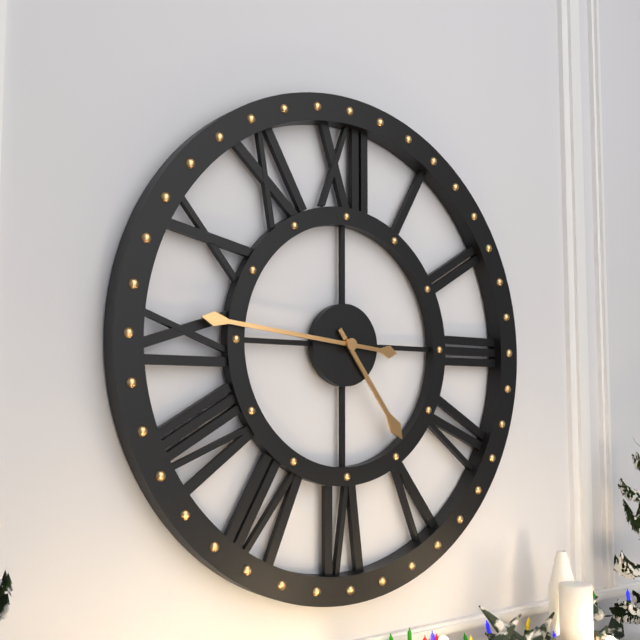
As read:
4:46
